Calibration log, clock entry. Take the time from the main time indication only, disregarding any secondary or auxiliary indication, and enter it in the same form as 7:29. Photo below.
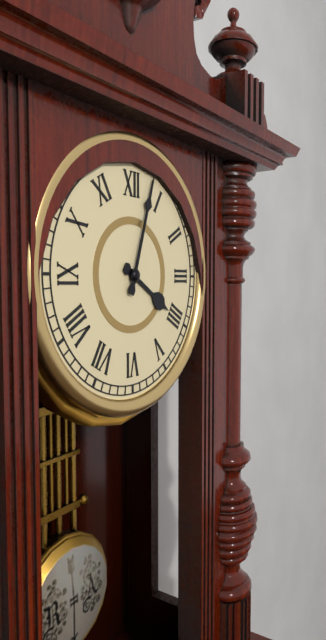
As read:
4:03
